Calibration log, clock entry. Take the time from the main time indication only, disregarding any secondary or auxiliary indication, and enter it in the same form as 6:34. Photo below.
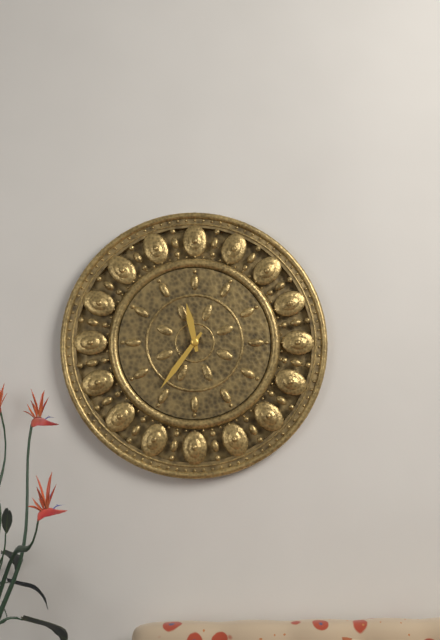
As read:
11:36
